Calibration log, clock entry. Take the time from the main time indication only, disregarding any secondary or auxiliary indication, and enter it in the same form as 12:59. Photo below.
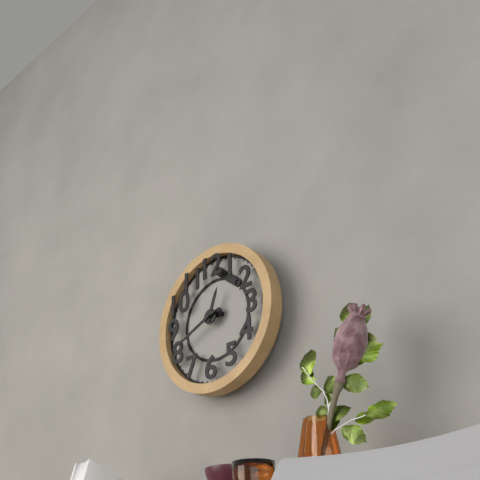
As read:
12:41
